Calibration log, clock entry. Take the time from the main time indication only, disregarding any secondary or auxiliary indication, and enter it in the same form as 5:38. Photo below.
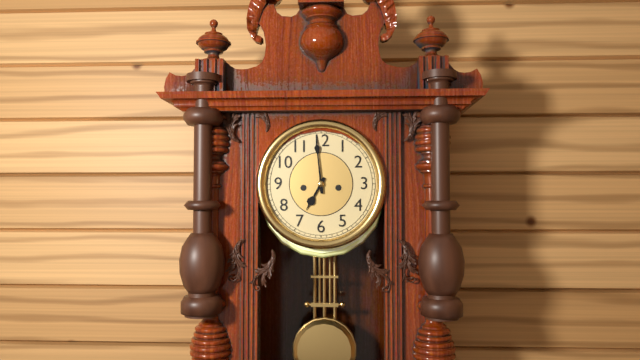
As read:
6:59
